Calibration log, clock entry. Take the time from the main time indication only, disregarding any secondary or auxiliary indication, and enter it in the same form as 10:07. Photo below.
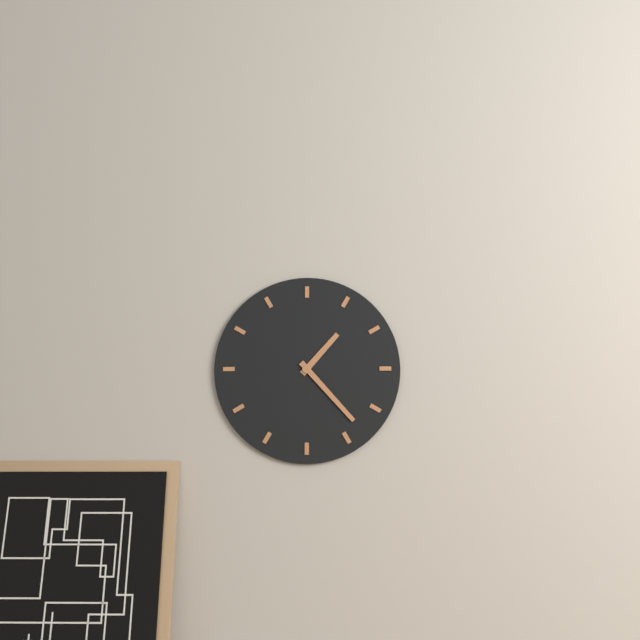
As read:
1:23
